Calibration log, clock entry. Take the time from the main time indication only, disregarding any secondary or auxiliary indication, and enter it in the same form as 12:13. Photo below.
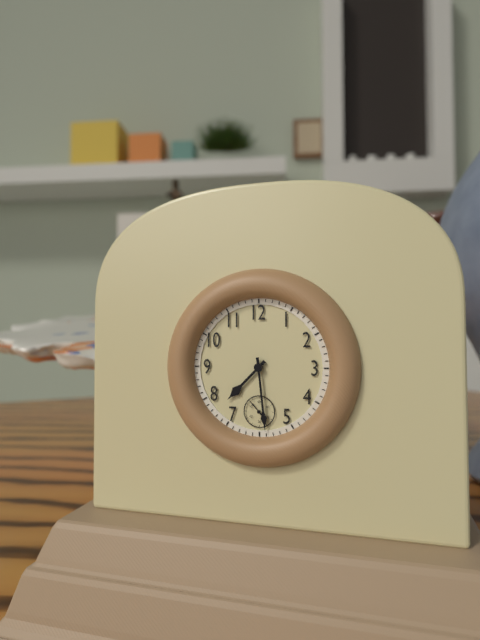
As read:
7:29
